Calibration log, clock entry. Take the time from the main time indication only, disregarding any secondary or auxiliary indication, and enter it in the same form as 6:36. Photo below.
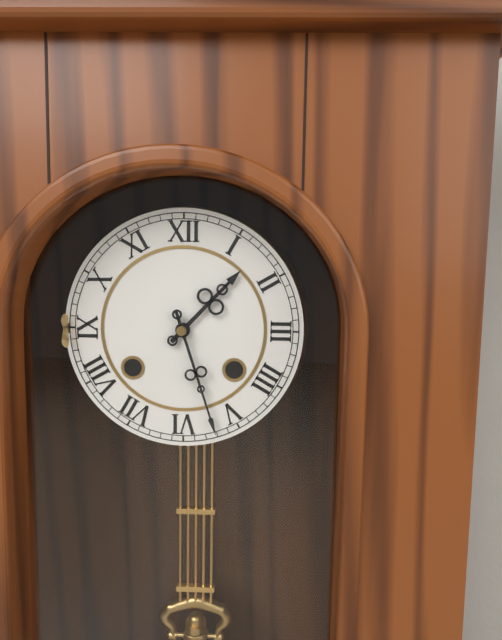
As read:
1:27
